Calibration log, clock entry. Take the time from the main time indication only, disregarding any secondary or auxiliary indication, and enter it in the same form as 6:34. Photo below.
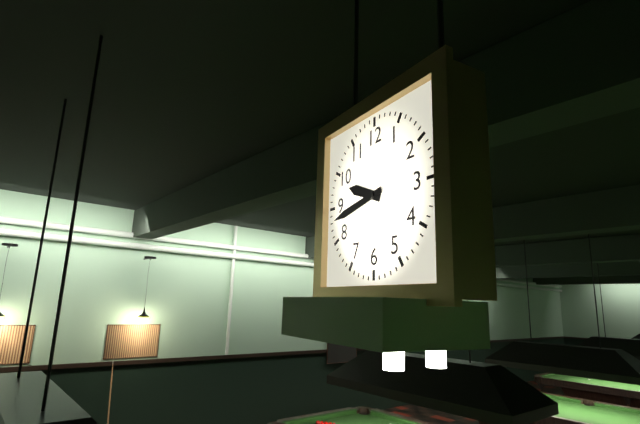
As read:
9:43
